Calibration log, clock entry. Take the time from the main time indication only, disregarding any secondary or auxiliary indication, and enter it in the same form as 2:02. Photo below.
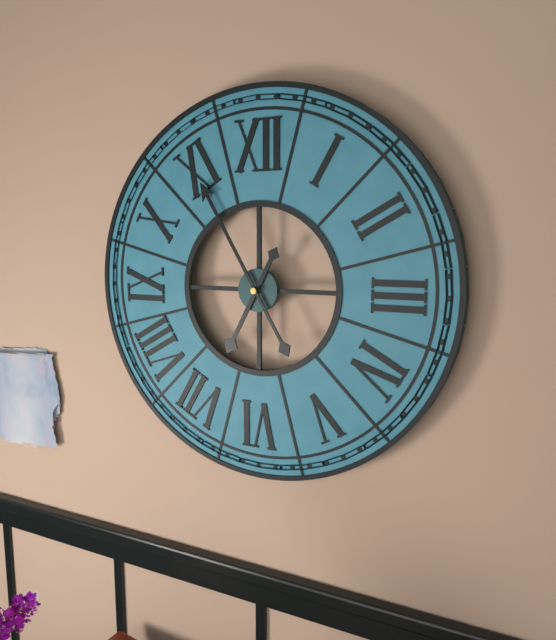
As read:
6:55
